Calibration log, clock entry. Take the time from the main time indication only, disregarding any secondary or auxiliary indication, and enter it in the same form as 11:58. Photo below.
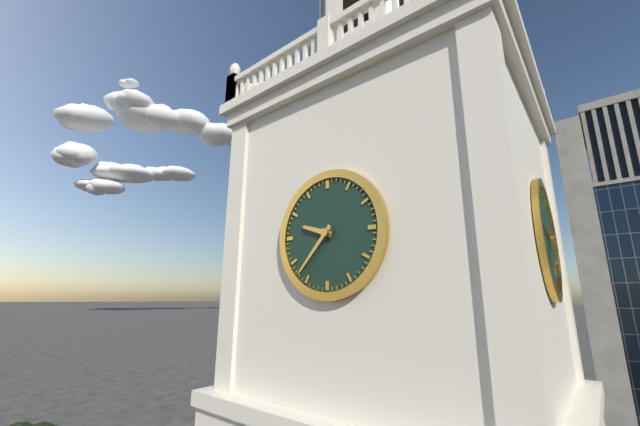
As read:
9:37
